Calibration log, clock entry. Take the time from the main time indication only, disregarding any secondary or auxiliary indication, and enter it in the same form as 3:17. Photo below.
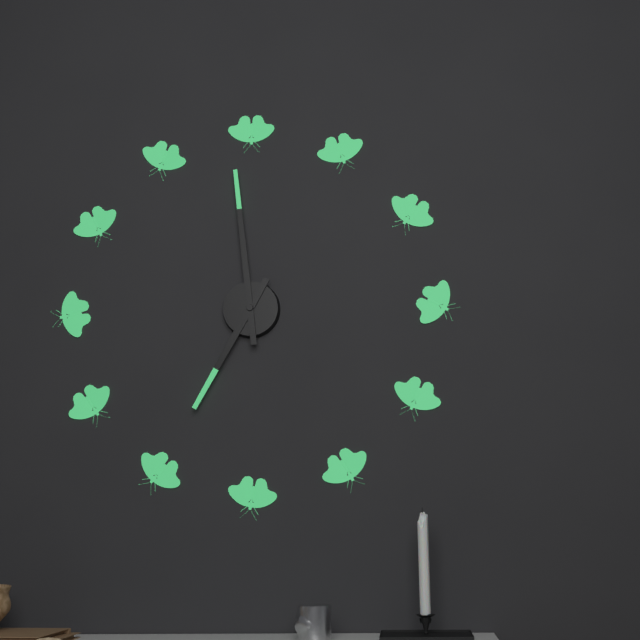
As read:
6:59
